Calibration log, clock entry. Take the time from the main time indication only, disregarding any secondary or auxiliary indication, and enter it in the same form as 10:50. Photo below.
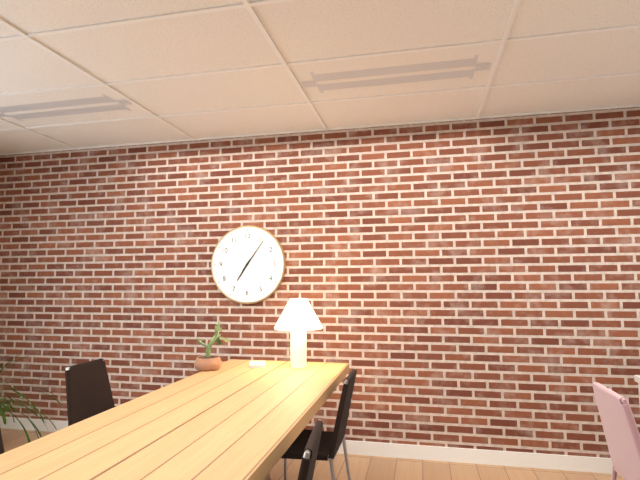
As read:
7:06
